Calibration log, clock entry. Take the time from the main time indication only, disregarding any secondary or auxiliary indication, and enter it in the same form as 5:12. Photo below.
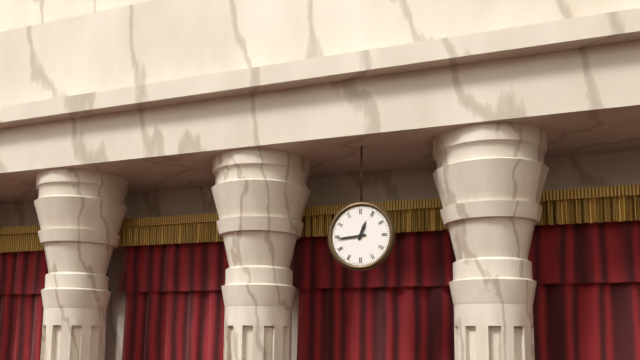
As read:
12:44
